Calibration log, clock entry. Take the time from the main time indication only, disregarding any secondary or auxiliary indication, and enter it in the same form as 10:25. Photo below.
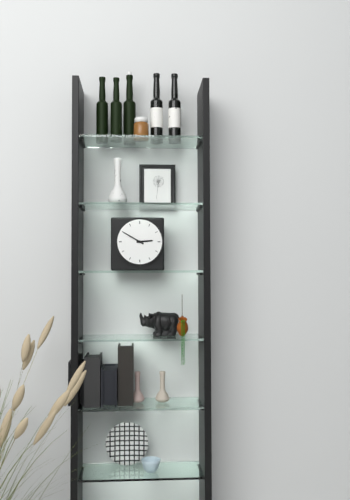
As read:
2:50
